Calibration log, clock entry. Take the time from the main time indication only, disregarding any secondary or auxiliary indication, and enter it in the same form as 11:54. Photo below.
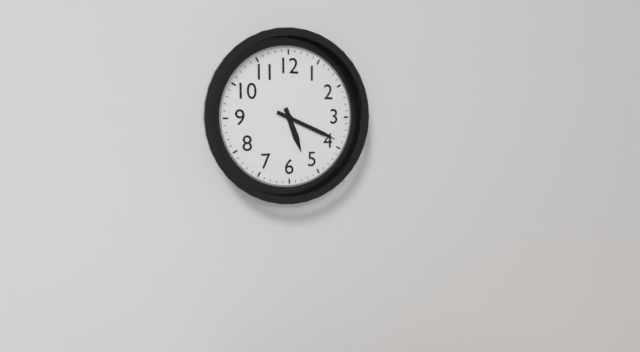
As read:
5:19
